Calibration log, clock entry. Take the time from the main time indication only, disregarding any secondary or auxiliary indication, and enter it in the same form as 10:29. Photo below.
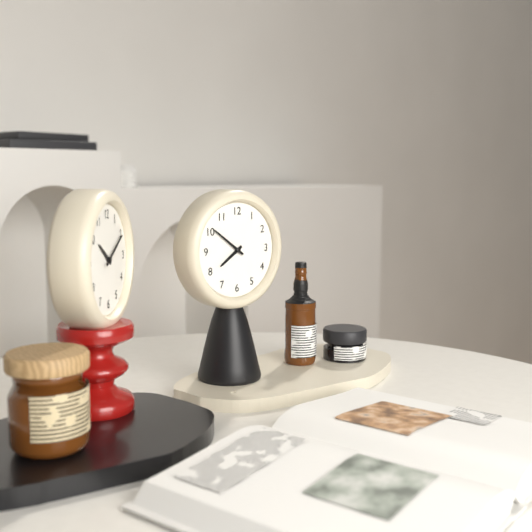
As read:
7:51
